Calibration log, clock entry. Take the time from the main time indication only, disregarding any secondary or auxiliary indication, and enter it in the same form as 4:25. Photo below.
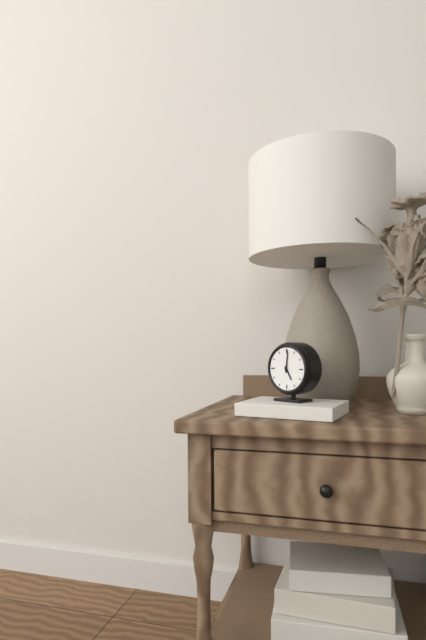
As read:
5:01
